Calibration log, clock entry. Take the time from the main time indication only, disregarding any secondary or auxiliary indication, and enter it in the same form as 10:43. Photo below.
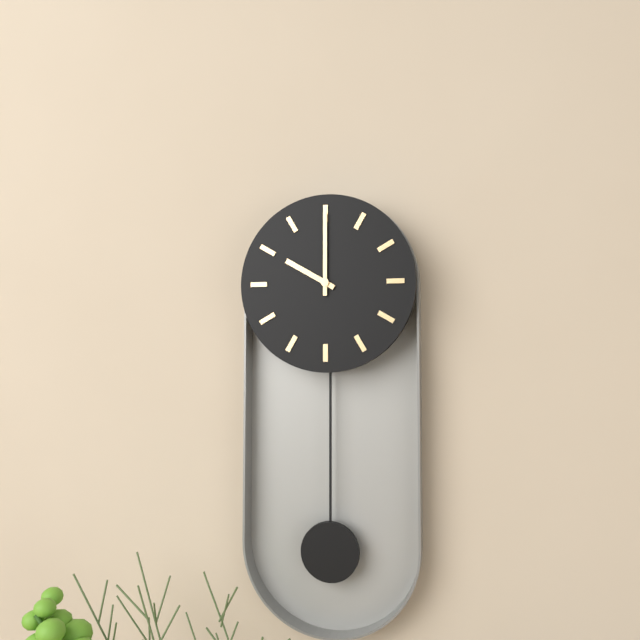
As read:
10:00
